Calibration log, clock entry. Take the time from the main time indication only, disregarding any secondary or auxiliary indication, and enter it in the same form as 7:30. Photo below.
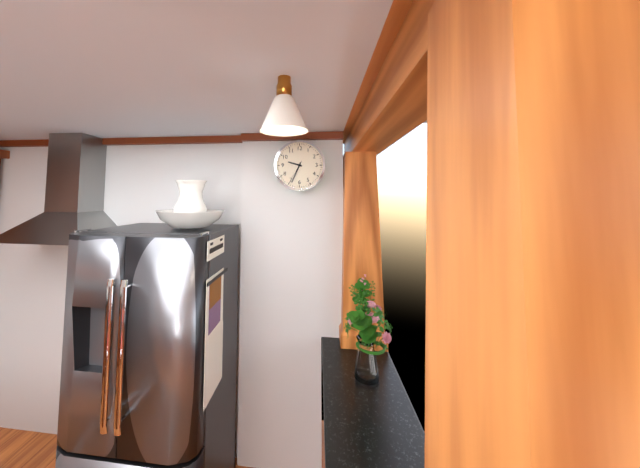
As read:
9:34
